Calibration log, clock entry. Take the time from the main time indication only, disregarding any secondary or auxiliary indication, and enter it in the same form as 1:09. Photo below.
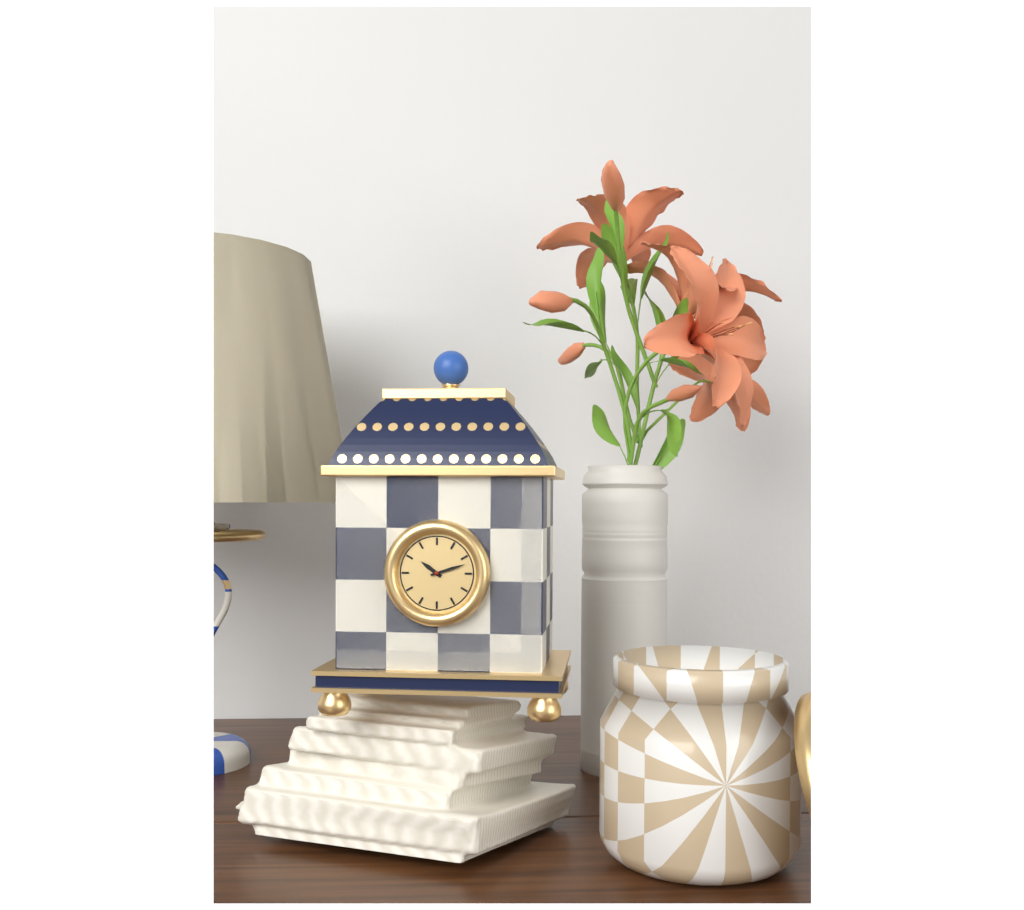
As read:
10:12
